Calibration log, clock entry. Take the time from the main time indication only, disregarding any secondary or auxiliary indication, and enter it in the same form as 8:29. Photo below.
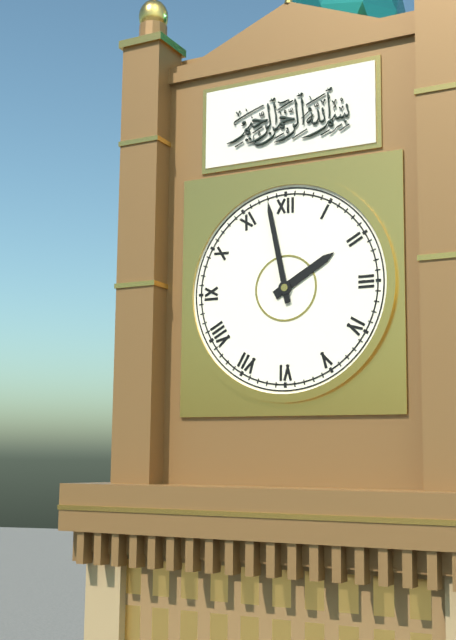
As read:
1:58
